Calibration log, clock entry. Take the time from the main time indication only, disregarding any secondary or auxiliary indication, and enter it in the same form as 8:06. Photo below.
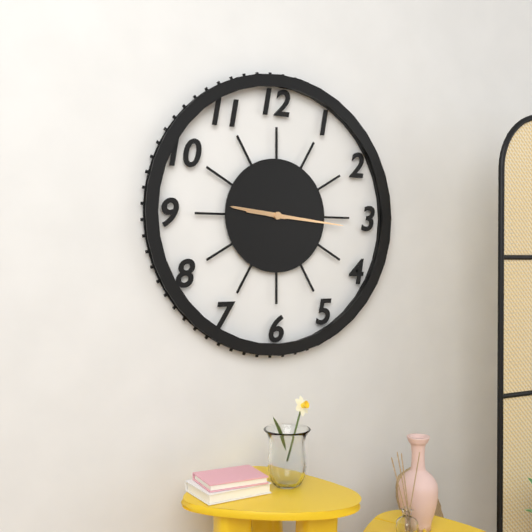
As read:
9:16
